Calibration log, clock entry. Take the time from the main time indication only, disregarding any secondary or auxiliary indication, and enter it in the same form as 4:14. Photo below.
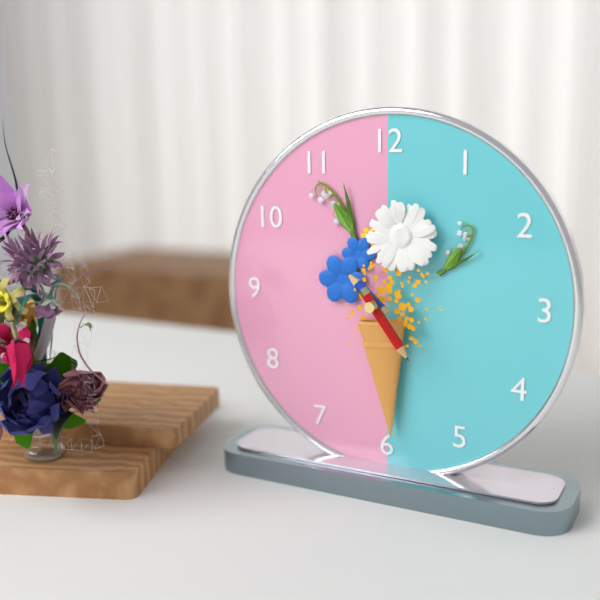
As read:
10:24
